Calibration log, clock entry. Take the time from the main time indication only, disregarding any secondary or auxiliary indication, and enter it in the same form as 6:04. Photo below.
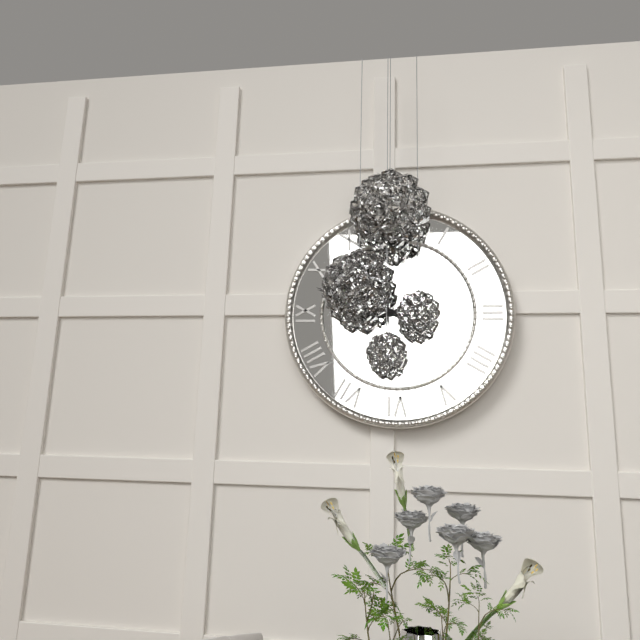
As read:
8:48
